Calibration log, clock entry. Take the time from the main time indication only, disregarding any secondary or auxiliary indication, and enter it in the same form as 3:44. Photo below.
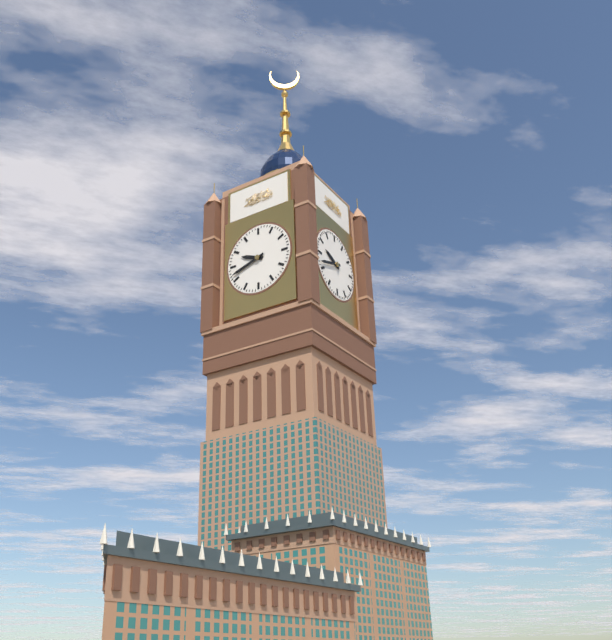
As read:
9:42
